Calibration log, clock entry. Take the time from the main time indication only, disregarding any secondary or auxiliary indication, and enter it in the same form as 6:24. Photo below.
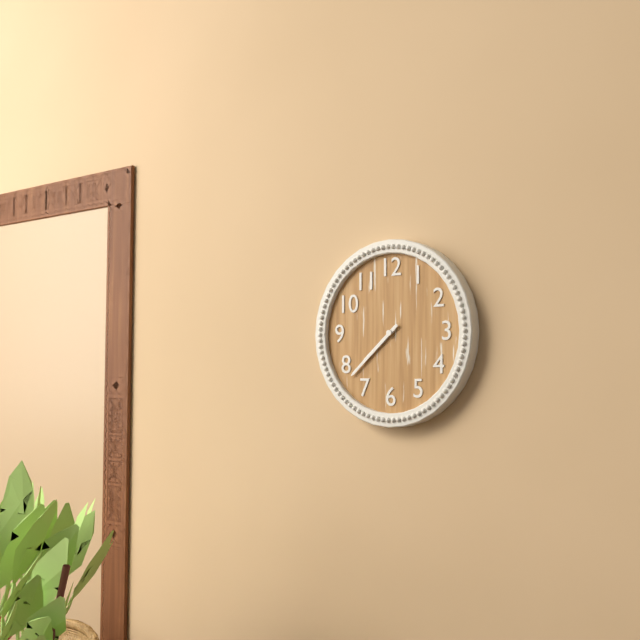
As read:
7:38
